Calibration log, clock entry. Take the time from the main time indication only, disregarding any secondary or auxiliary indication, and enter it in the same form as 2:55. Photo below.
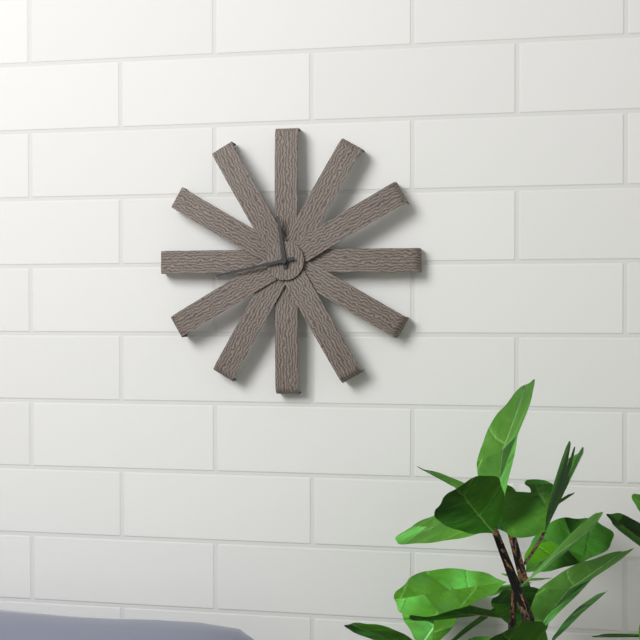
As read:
11:43
